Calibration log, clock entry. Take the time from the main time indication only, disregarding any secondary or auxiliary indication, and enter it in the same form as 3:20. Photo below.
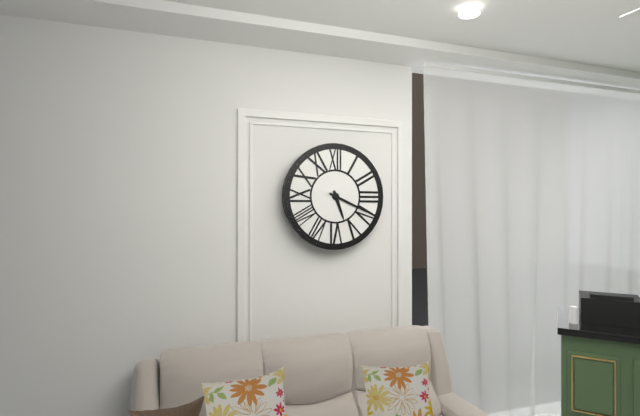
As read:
5:19
